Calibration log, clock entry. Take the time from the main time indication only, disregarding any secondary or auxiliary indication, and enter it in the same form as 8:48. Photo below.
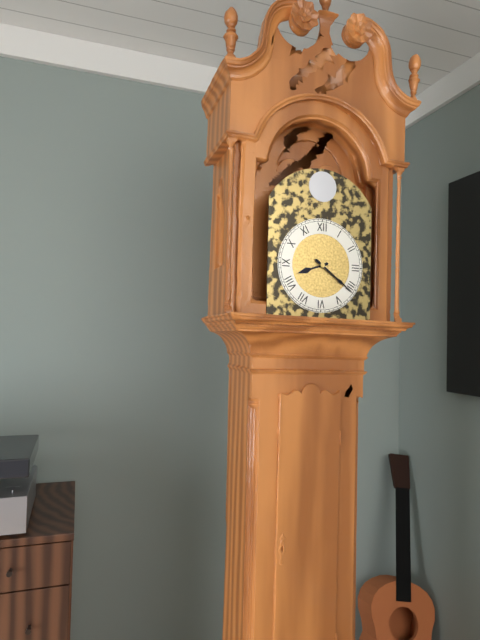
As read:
8:21
